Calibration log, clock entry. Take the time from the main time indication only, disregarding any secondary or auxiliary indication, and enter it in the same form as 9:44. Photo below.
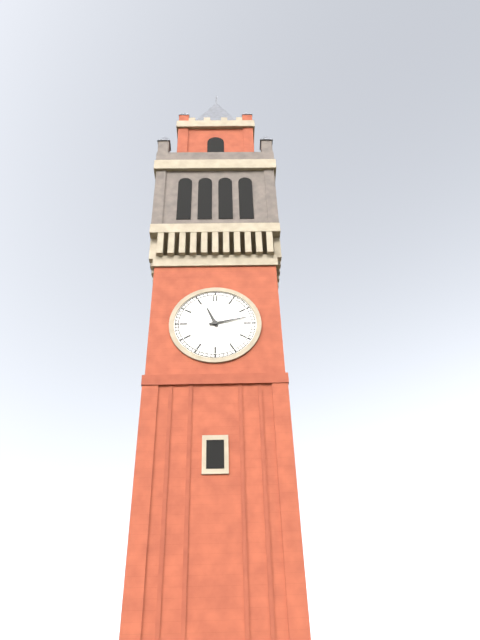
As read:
11:13
